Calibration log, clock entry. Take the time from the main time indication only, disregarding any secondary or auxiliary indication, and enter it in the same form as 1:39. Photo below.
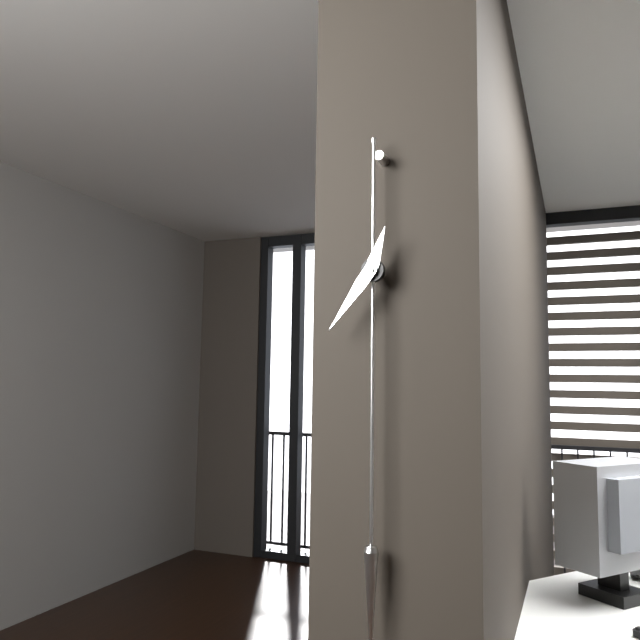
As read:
12:36
